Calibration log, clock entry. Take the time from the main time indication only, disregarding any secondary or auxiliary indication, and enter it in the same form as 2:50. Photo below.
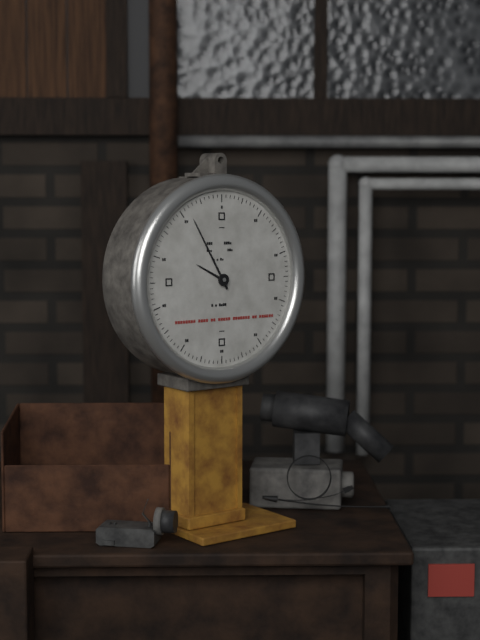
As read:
9:55
